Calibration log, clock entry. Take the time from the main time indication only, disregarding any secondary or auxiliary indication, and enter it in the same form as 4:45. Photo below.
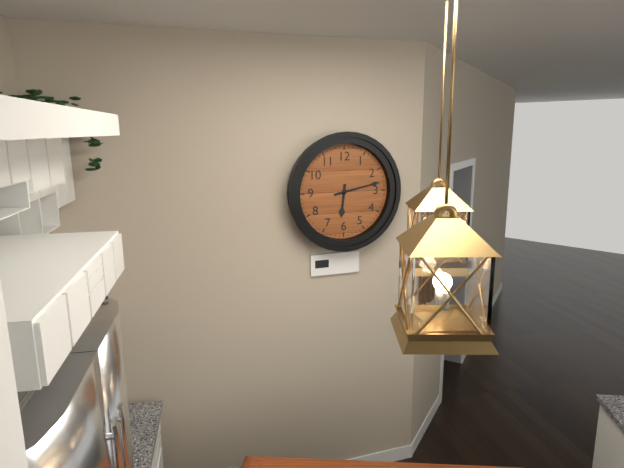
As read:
6:13
